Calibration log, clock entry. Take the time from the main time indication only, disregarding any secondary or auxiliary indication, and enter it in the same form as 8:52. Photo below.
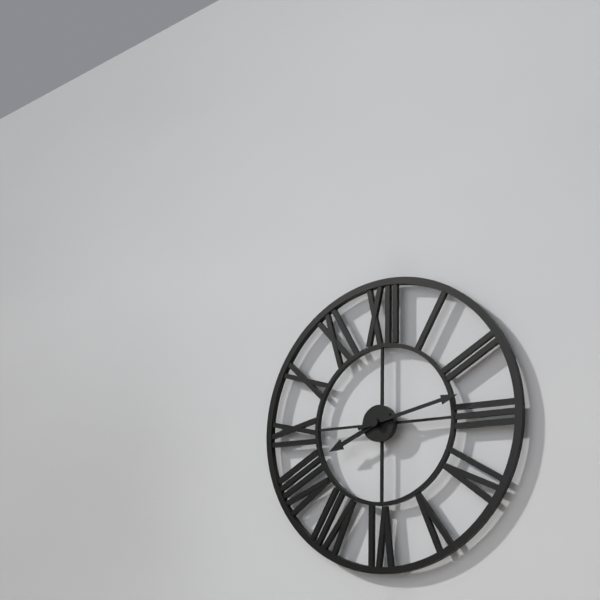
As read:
8:13
